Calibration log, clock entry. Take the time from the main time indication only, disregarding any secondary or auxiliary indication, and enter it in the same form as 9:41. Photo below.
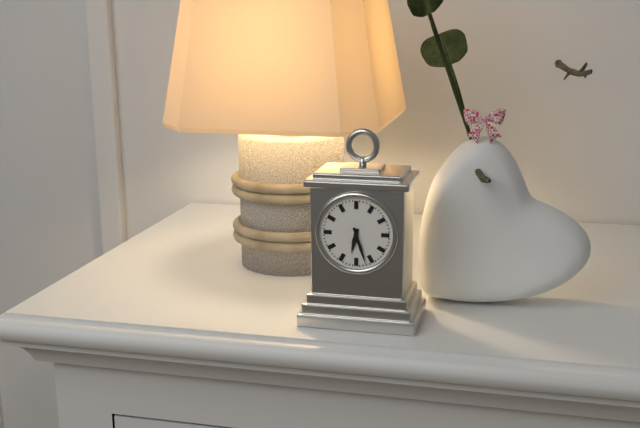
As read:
6:27
